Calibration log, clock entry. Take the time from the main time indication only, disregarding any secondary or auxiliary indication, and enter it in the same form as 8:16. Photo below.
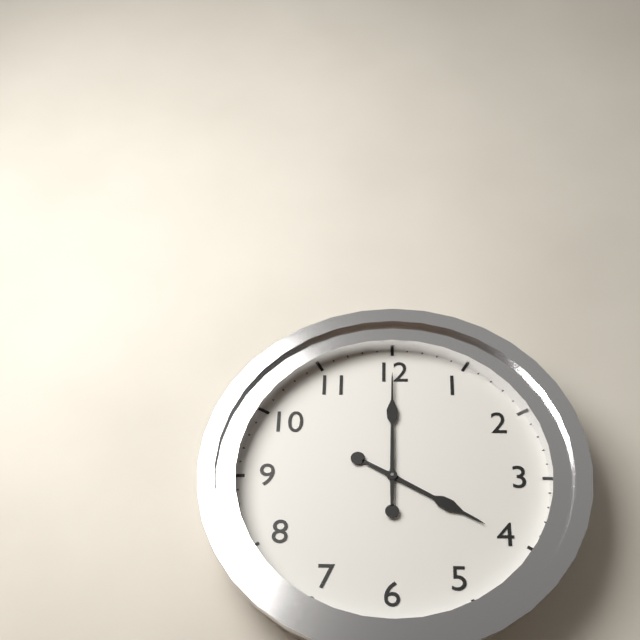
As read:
4:00
